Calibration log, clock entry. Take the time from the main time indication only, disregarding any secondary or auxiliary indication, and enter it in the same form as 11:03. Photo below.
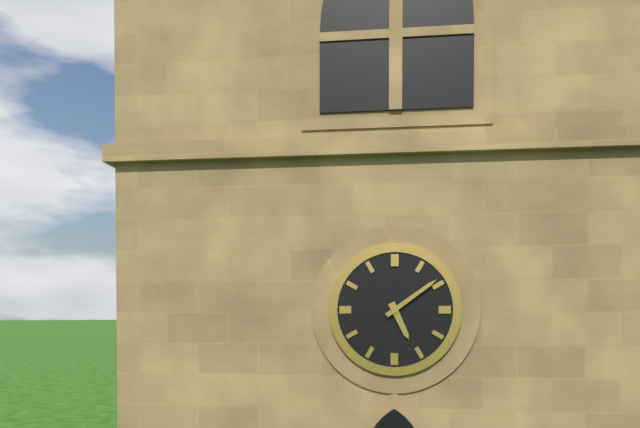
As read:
5:09
